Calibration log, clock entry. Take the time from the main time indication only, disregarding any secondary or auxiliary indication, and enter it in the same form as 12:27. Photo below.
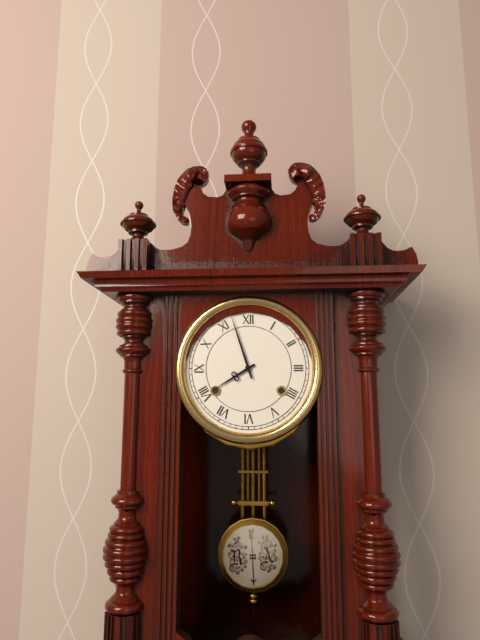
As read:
7:57
